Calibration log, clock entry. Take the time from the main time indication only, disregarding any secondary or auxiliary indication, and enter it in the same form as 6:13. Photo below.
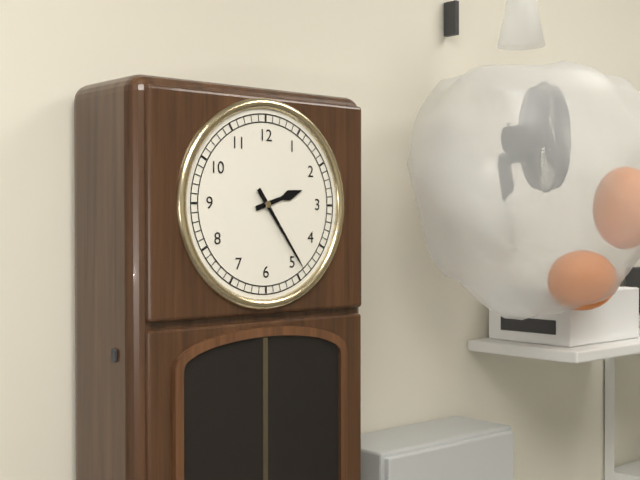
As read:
2:24
